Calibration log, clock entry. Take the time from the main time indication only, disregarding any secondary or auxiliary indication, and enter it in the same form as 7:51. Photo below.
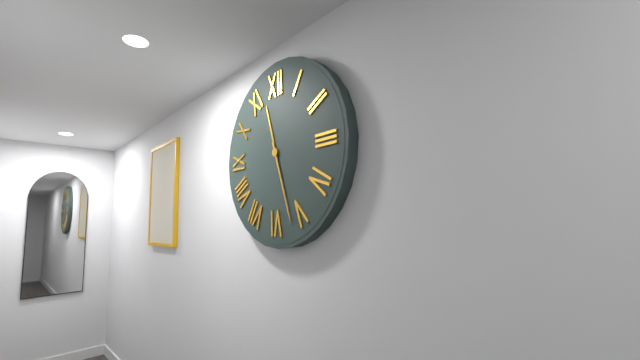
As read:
11:27
